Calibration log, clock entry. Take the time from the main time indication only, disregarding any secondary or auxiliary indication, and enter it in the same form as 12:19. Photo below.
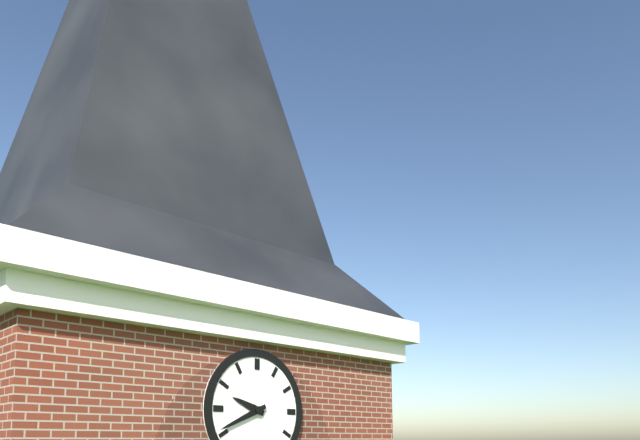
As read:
9:41
